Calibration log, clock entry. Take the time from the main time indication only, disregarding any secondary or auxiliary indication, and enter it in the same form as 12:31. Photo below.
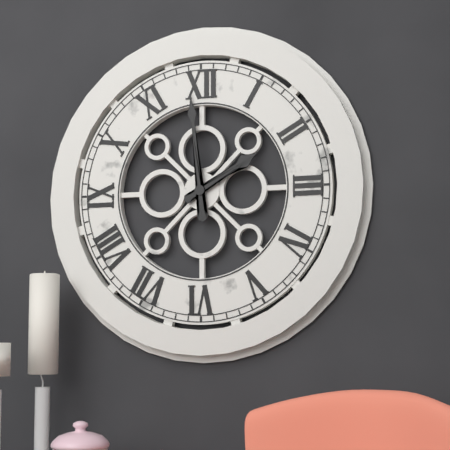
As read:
1:59
